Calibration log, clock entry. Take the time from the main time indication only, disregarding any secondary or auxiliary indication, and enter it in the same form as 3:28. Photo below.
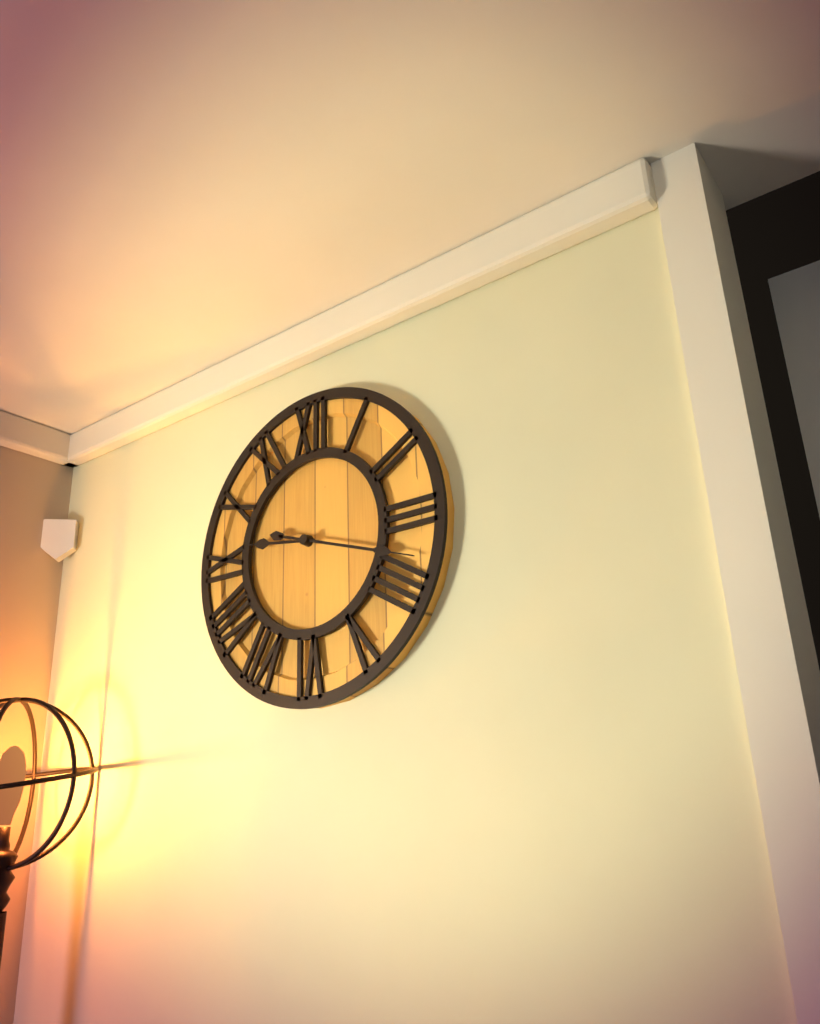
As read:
9:18
